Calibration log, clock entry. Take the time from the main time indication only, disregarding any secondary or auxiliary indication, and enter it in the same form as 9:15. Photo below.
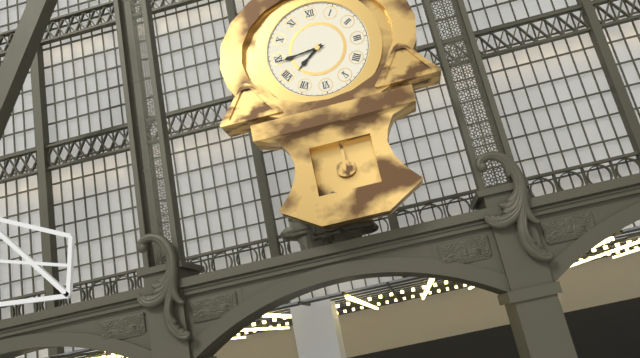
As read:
7:44
